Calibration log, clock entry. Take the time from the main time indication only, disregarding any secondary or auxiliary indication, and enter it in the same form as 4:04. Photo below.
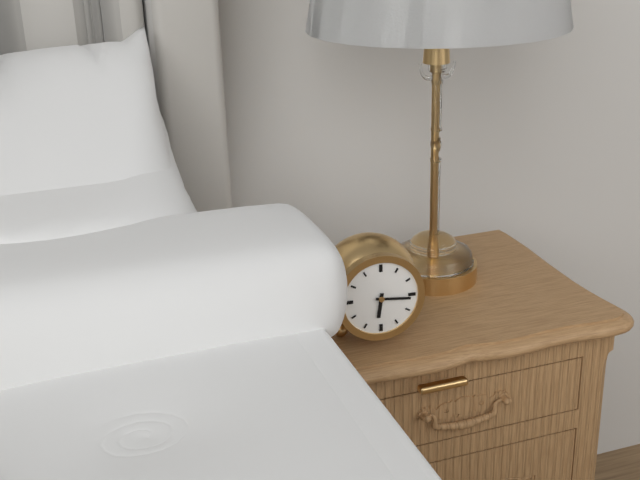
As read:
6:16
